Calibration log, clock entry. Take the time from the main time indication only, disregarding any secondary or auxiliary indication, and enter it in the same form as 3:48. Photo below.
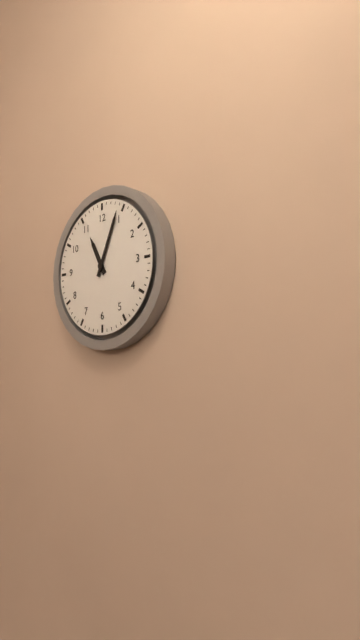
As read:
11:04
